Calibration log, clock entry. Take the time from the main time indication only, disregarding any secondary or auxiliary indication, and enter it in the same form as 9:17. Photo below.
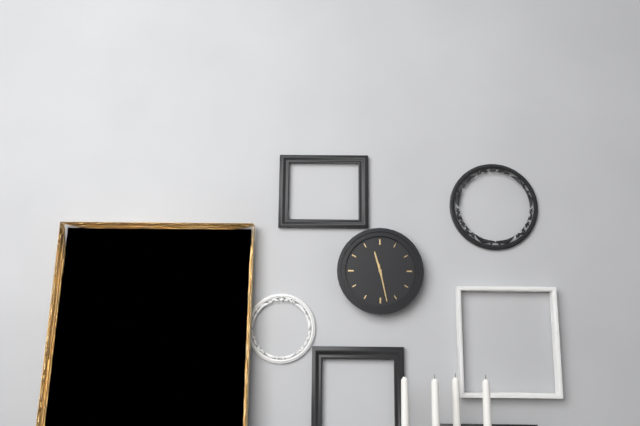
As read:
11:28
